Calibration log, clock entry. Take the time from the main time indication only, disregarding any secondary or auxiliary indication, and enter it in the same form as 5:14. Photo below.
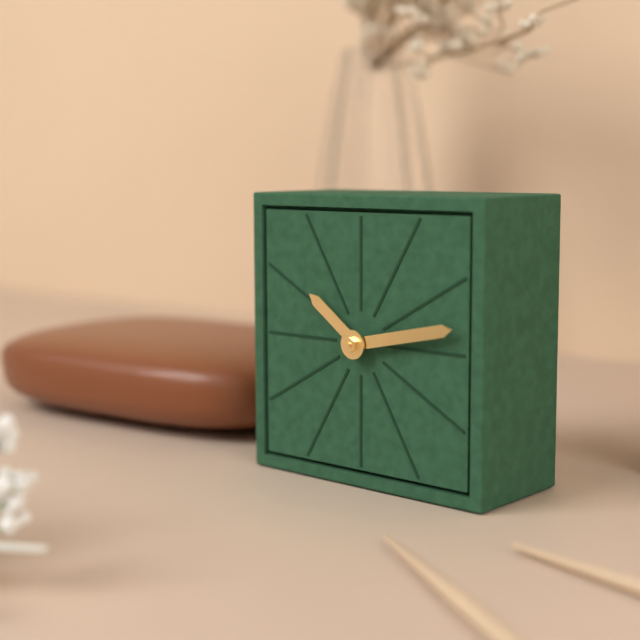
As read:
10:13
